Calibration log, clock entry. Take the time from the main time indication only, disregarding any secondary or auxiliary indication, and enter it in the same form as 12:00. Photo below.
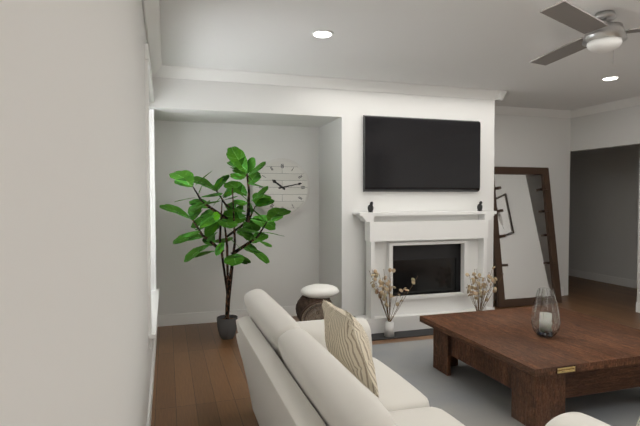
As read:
10:13
